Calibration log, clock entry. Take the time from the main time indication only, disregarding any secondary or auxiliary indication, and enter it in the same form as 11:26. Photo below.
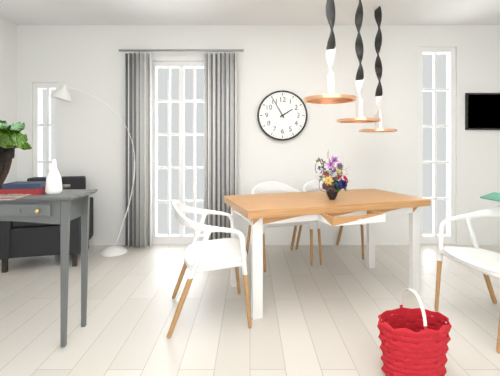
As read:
1:55
